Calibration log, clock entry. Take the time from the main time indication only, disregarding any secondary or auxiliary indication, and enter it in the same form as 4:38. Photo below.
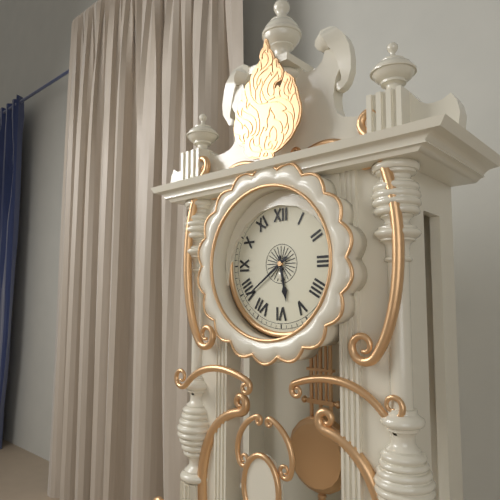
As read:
5:39
